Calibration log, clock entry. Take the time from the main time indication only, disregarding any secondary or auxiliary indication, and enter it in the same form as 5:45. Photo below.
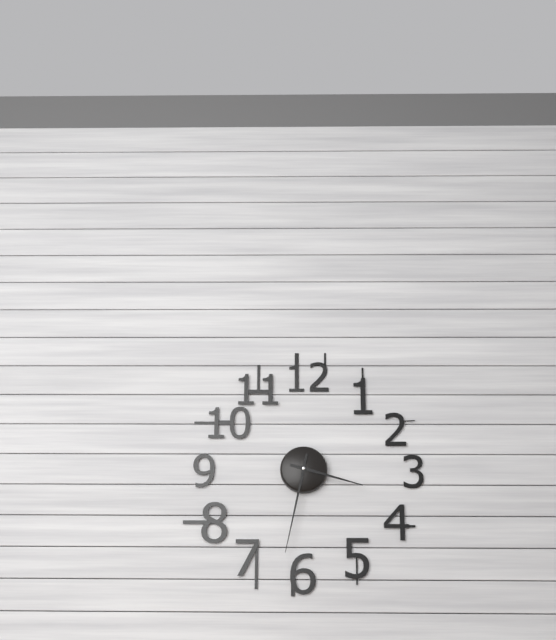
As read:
3:32
